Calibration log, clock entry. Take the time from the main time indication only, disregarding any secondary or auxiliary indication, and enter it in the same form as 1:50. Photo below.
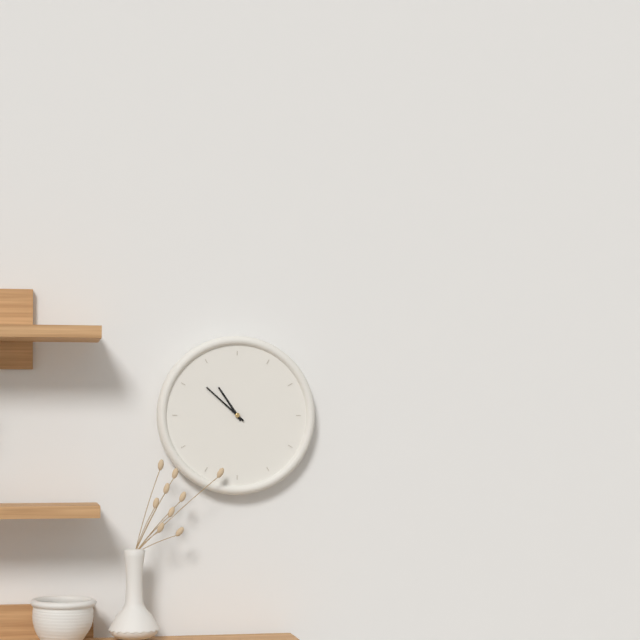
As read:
10:52
